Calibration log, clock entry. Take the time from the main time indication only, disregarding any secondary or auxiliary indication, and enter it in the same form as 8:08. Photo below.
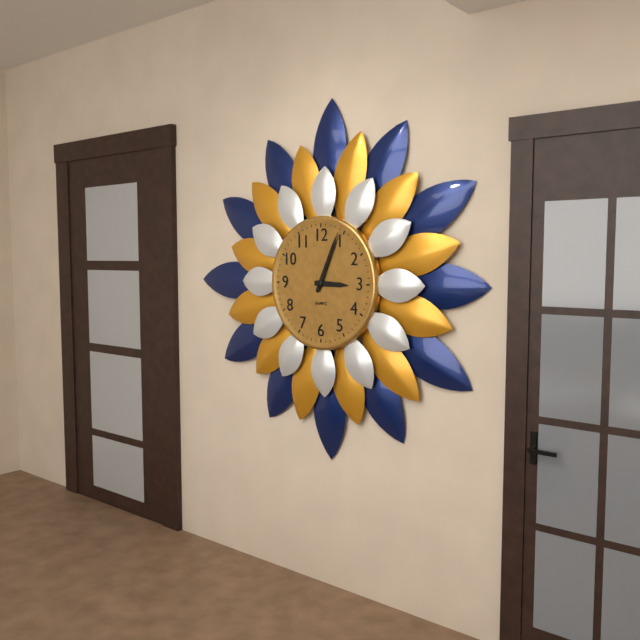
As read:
3:04
